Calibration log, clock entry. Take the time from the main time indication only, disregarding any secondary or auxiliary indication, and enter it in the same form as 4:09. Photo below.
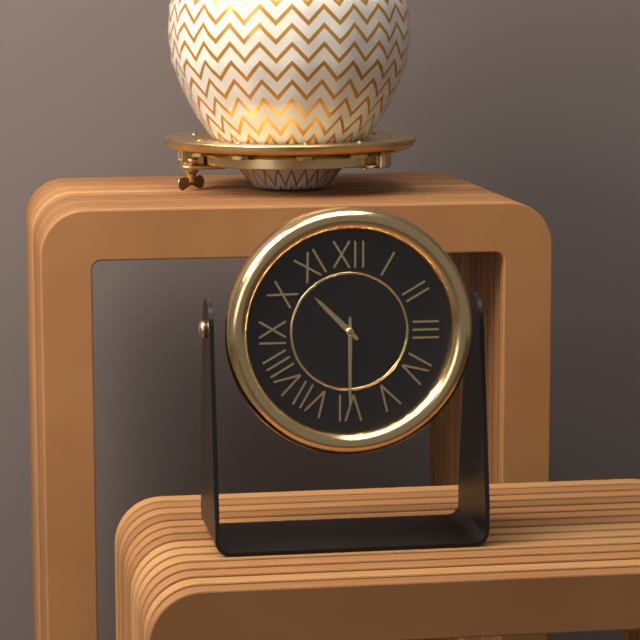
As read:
10:30
